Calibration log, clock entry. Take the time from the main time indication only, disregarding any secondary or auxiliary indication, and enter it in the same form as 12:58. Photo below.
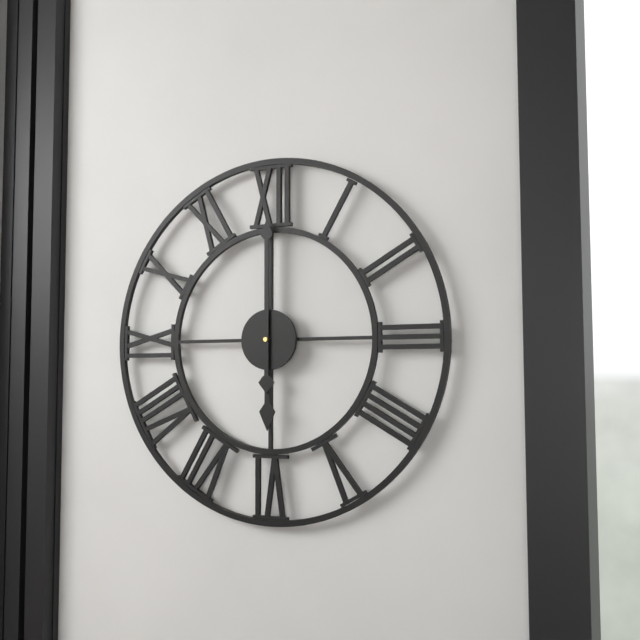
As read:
6:00
